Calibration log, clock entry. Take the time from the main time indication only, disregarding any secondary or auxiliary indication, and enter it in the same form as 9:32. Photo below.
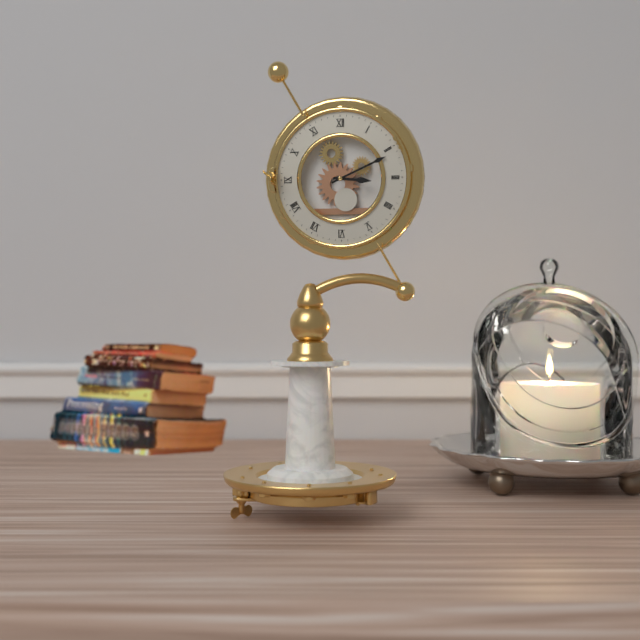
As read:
3:11
